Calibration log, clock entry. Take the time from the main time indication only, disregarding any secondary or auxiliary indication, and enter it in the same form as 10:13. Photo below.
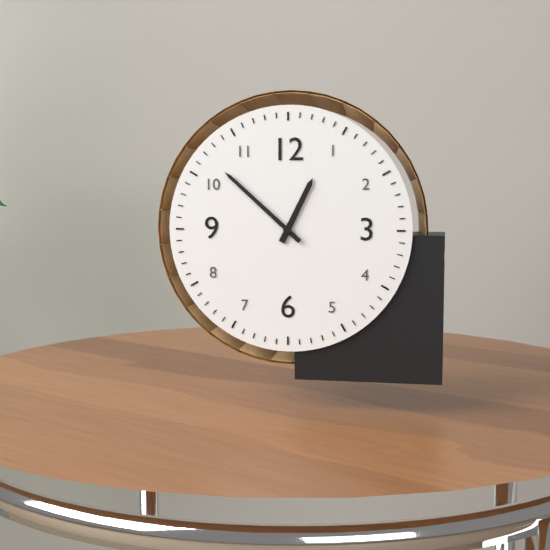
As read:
12:52
